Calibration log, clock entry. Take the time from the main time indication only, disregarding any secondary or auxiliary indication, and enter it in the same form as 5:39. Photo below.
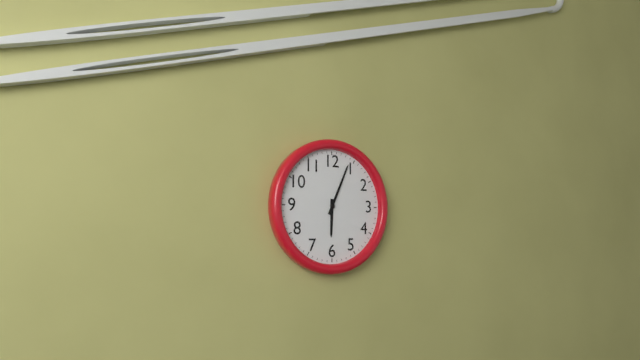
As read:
6:04
